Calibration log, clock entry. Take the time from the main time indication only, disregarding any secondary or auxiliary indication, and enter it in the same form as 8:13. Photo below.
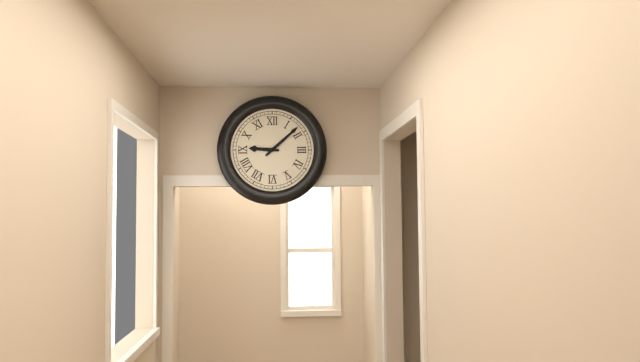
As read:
9:08
